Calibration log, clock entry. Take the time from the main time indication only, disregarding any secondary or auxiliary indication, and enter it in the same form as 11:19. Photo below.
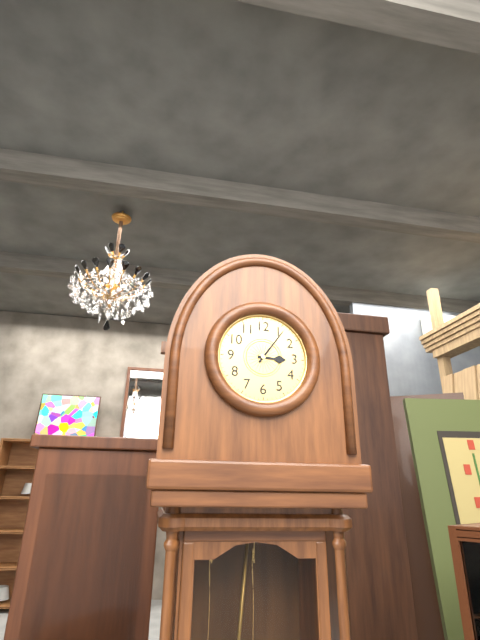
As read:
3:06
